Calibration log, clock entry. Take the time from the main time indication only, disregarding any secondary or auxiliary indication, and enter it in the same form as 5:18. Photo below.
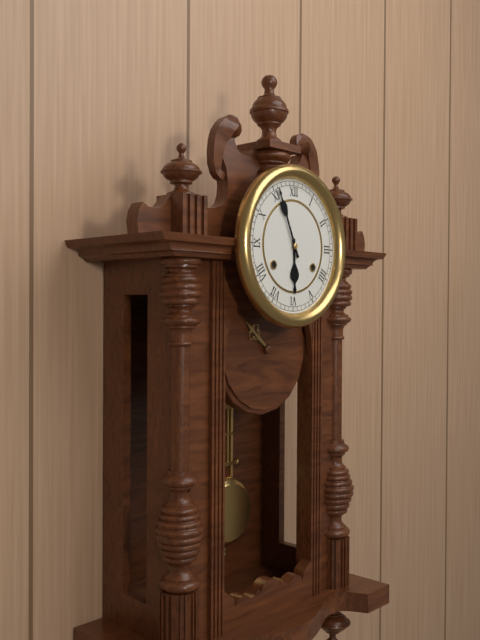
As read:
5:56
